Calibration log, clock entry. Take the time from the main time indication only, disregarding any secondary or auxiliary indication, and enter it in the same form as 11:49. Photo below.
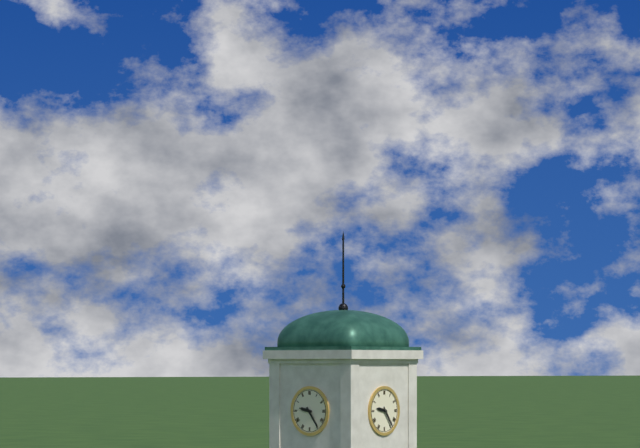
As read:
9:24
